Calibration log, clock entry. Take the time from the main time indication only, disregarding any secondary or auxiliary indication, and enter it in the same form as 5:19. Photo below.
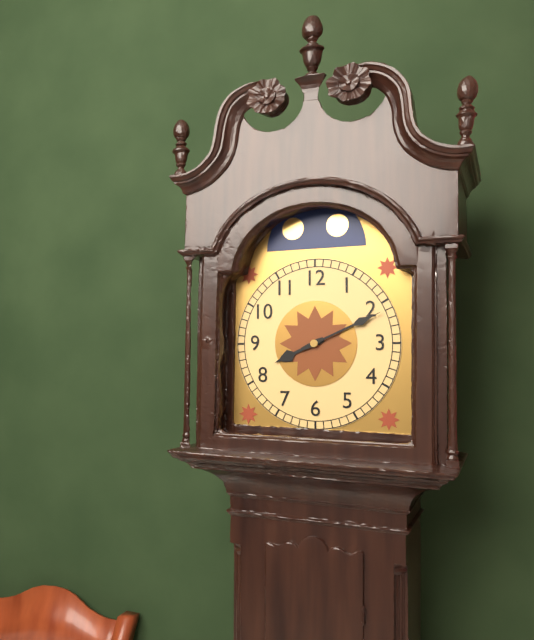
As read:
8:11
